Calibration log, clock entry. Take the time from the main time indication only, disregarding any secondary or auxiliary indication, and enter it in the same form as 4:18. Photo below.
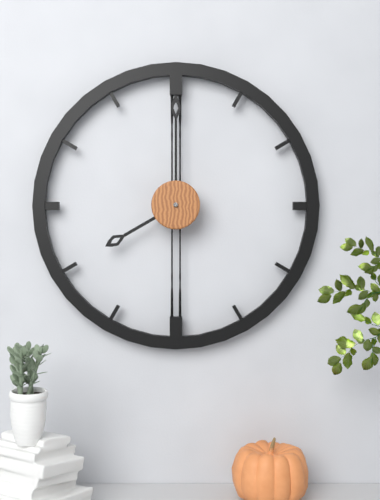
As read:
8:00
